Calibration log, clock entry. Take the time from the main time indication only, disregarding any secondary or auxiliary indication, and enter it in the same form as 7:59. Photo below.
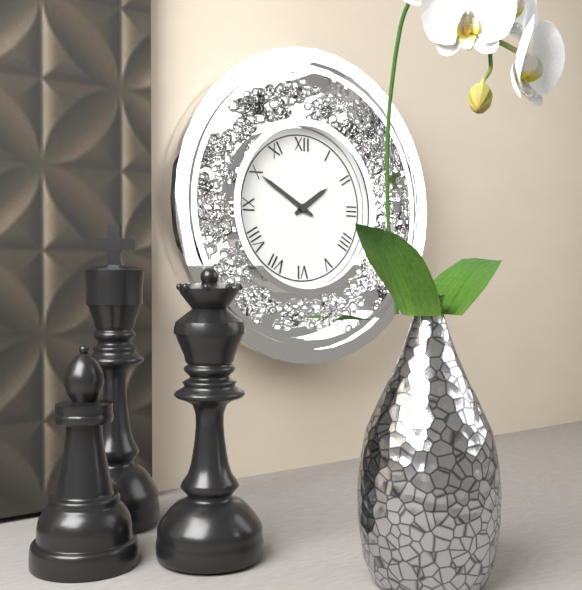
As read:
1:50
